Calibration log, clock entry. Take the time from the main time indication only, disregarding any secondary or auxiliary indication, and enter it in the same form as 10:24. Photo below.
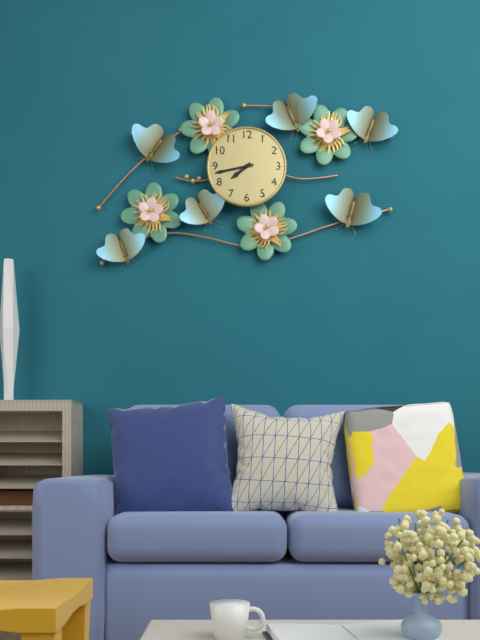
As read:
7:43
